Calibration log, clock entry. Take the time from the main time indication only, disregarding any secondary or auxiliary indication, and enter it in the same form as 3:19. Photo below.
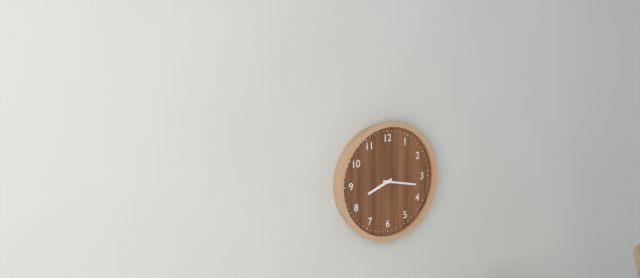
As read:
8:17
